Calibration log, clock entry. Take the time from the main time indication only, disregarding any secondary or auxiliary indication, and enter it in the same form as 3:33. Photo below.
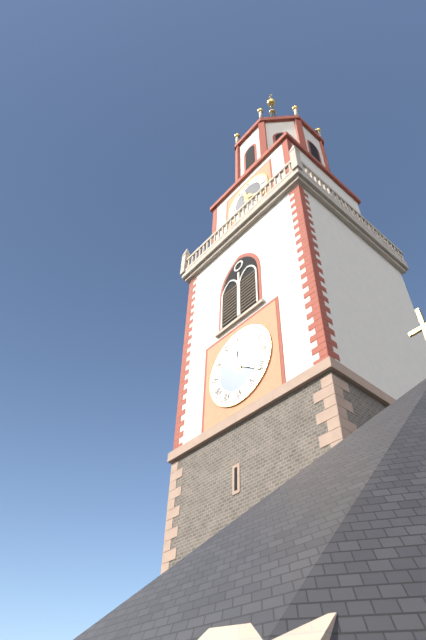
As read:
11:21
